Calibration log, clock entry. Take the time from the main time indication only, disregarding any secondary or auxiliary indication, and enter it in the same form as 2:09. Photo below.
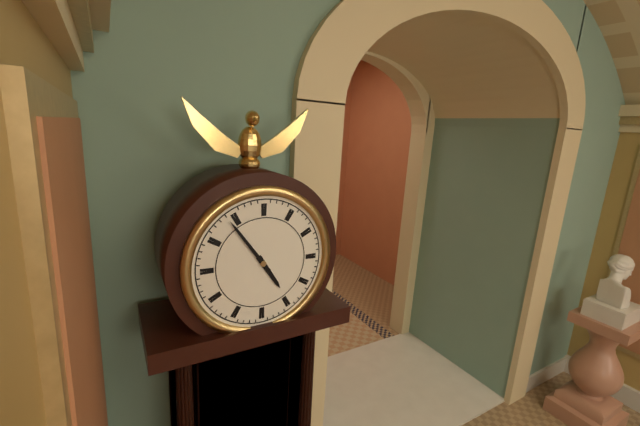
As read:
4:54
